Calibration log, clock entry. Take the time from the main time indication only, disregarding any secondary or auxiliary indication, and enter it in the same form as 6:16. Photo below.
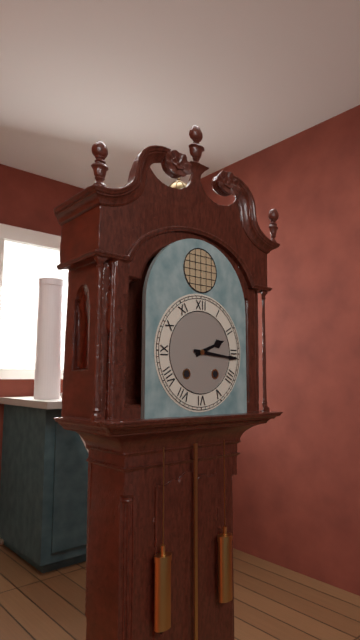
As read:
2:16
